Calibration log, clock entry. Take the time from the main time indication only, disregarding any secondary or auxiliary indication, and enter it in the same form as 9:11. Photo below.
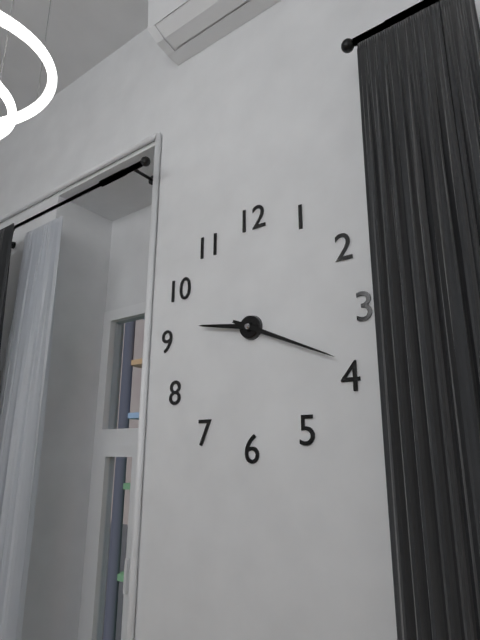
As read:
9:19
